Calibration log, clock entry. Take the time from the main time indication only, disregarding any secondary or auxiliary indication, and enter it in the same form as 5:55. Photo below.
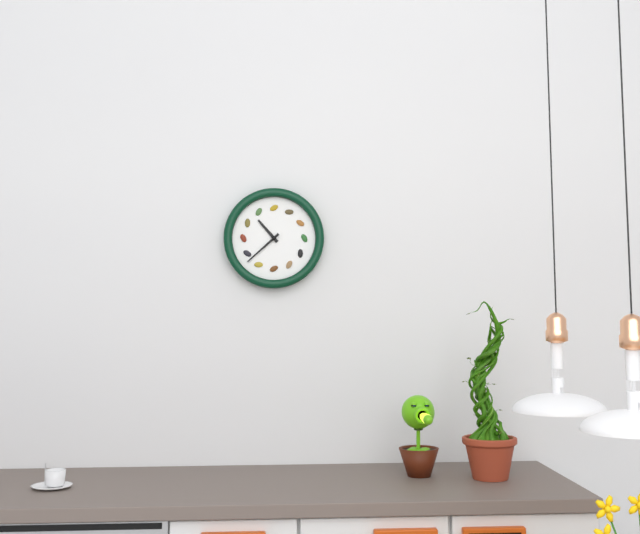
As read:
10:38
